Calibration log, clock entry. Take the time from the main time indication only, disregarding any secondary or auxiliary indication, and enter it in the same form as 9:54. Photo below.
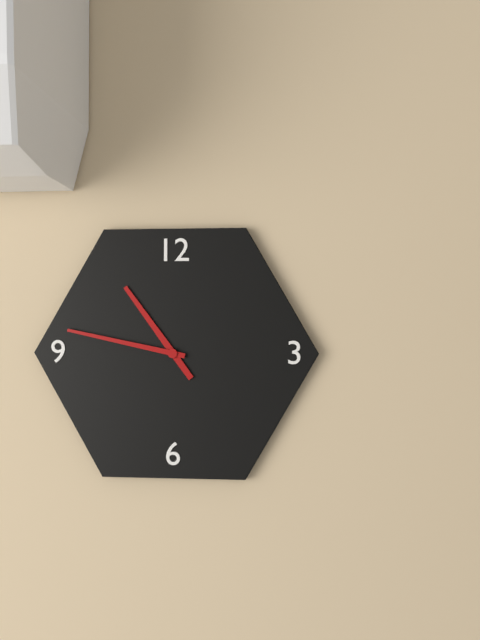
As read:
10:47
